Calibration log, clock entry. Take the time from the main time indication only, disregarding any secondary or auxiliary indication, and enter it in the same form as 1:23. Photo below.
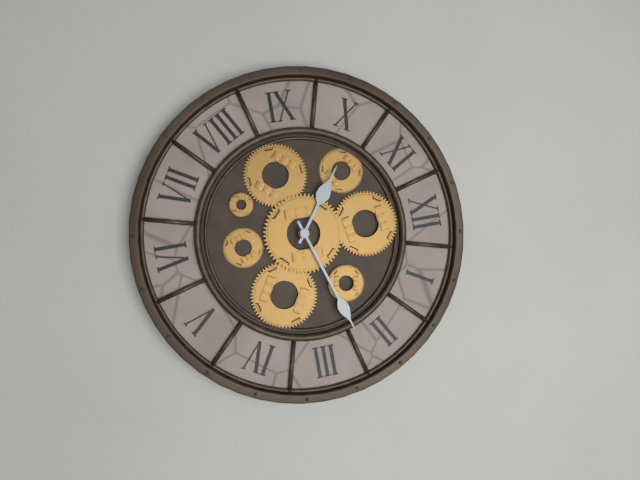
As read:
10:12
